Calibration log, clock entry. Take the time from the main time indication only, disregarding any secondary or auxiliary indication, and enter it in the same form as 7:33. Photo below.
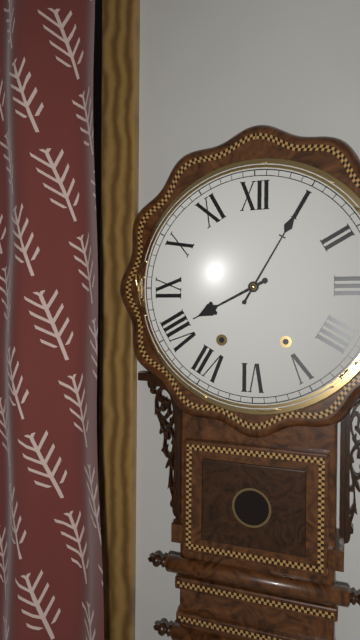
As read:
8:05
